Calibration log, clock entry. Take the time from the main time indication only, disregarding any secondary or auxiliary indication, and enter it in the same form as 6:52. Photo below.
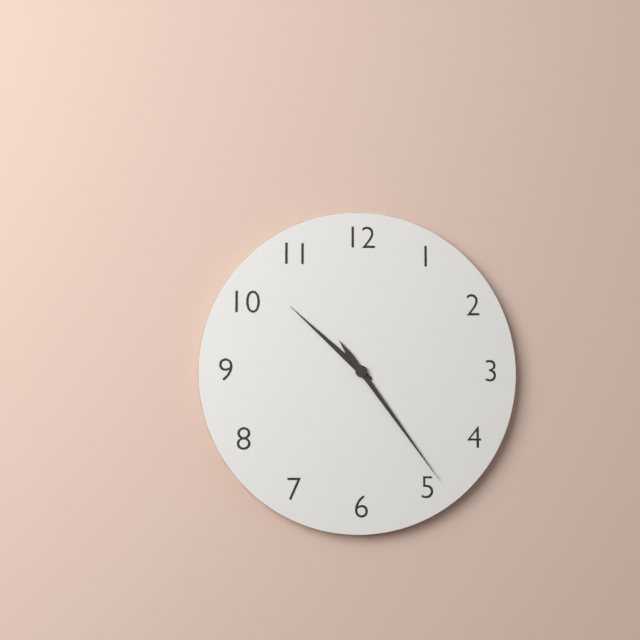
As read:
10:24
